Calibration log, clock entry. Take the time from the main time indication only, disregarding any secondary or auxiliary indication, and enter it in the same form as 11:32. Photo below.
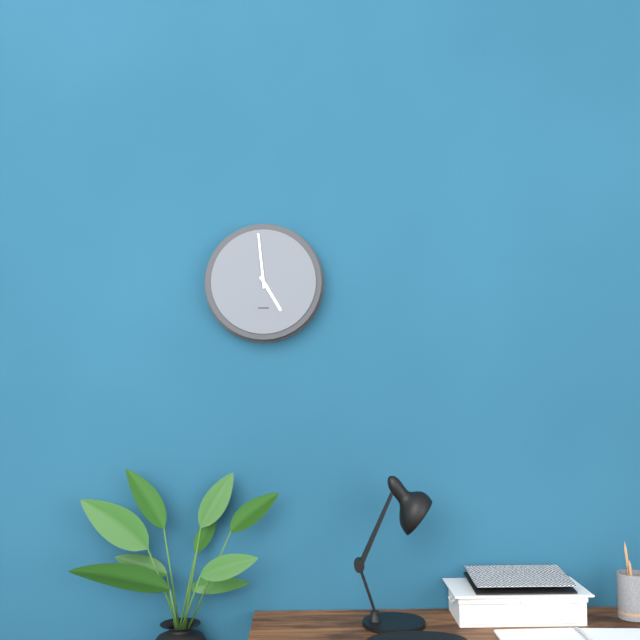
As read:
4:59
